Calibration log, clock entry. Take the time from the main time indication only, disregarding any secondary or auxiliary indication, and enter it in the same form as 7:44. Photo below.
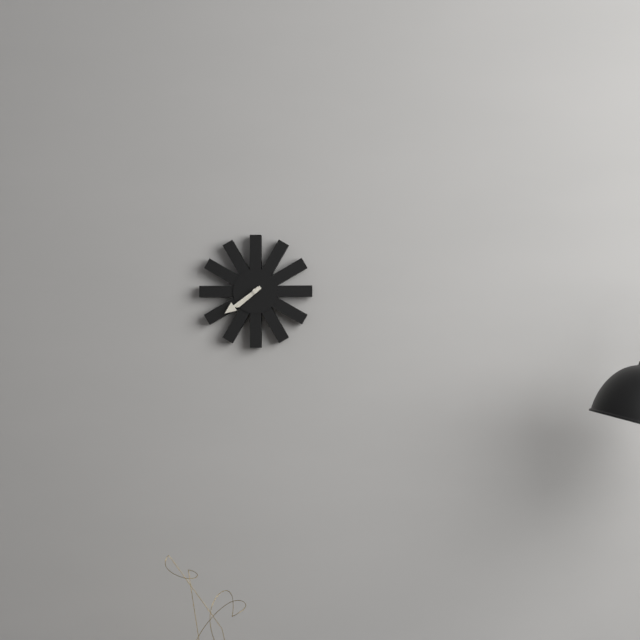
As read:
7:39
